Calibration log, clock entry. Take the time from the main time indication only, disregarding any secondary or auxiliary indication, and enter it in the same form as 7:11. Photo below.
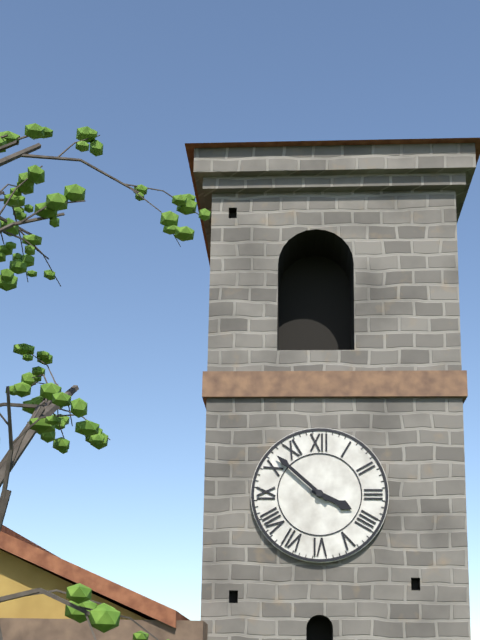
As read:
3:52
